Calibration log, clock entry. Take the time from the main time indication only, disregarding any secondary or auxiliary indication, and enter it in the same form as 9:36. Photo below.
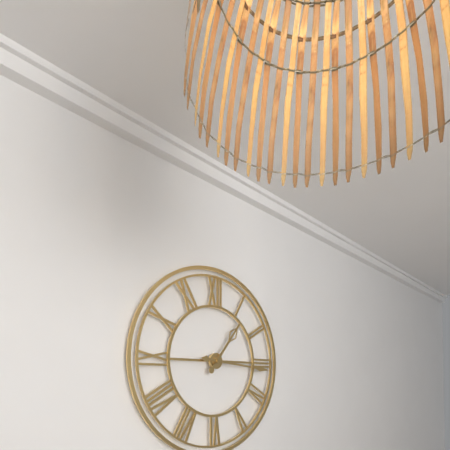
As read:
1:16
